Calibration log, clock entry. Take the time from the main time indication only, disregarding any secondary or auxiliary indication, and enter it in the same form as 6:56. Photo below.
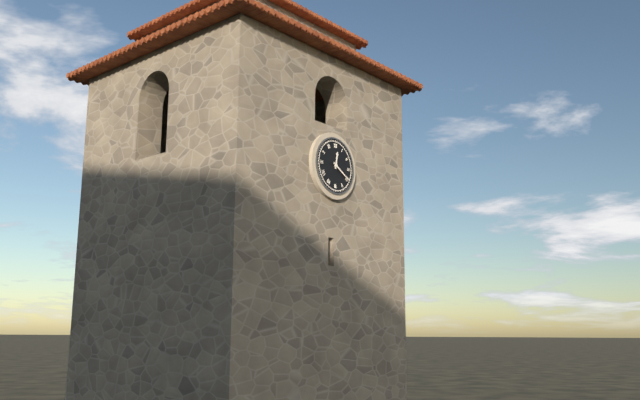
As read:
12:20
